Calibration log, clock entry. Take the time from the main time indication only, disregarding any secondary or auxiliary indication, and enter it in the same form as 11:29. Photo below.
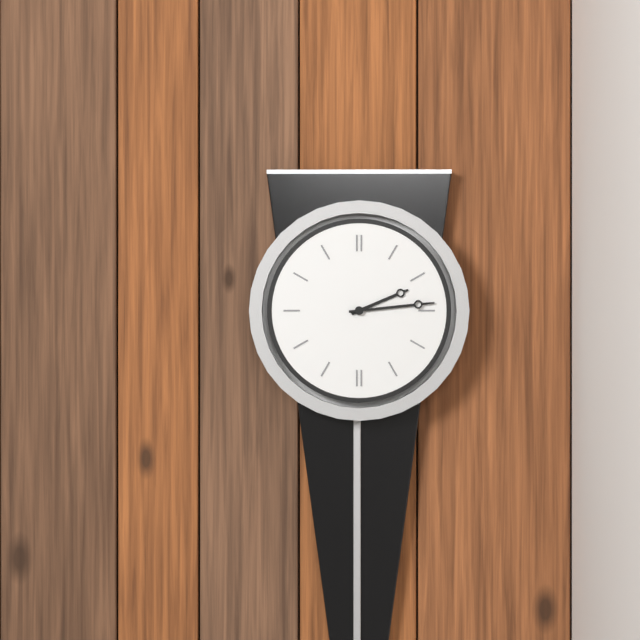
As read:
2:14
